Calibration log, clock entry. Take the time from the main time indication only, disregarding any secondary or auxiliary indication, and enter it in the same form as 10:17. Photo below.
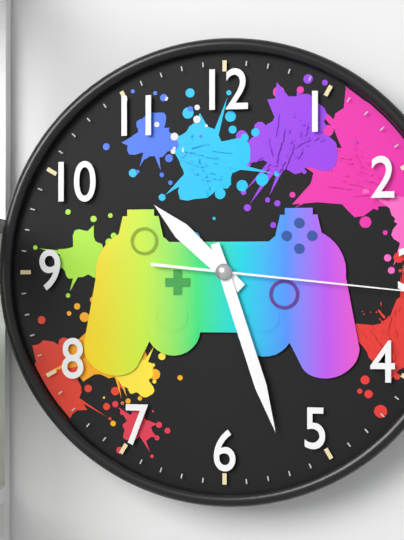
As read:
10:27
